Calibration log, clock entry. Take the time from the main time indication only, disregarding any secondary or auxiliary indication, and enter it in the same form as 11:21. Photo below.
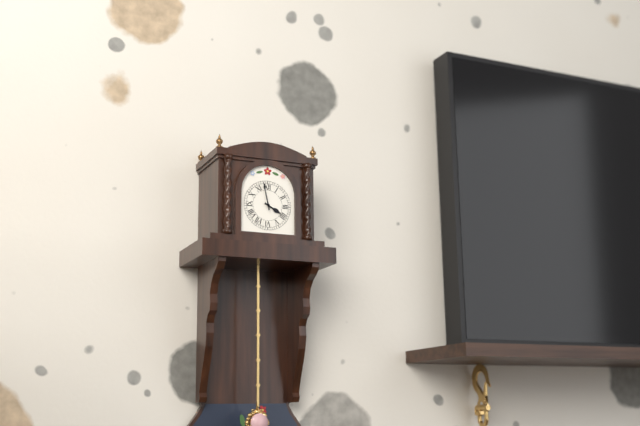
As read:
3:58
